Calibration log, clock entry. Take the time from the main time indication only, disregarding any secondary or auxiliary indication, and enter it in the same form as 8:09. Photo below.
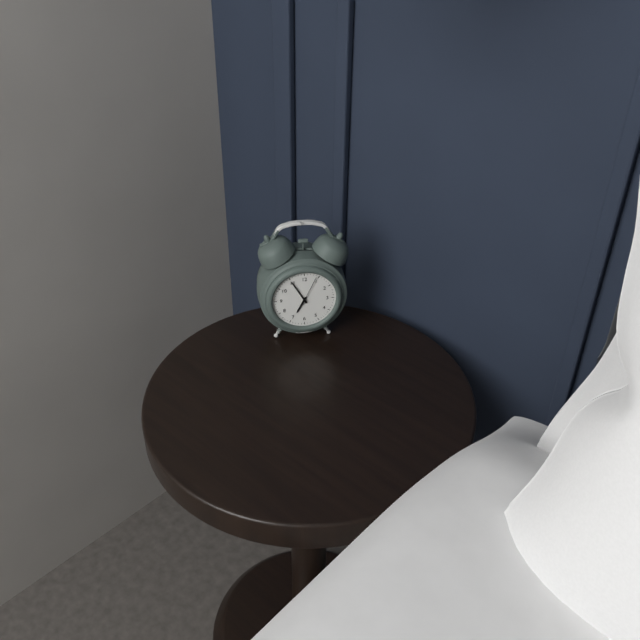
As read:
6:55
